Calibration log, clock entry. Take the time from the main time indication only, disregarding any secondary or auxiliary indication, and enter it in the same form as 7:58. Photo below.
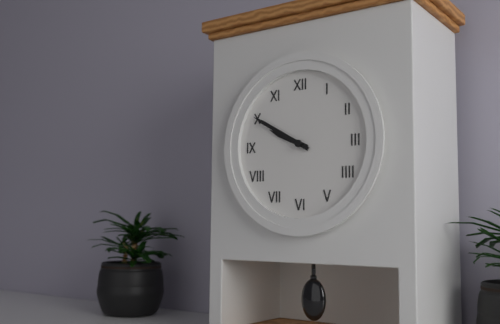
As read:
9:50
